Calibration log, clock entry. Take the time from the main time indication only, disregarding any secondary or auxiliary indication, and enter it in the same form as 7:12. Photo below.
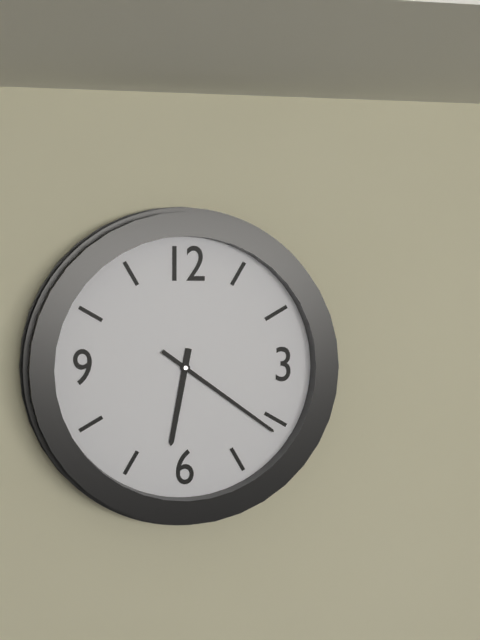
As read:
6:21
